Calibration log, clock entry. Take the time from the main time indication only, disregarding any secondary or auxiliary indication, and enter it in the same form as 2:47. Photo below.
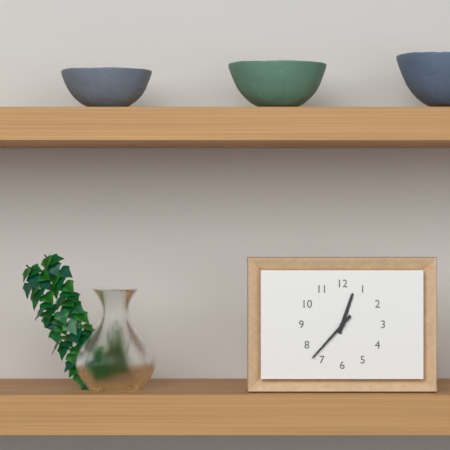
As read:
12:37
